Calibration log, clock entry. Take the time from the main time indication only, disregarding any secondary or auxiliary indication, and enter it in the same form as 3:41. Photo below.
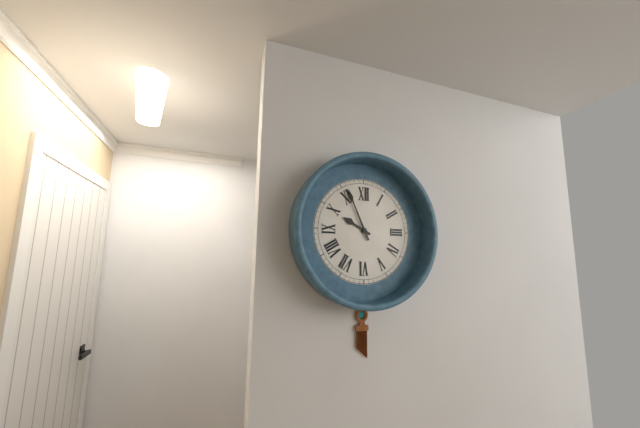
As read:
9:56
